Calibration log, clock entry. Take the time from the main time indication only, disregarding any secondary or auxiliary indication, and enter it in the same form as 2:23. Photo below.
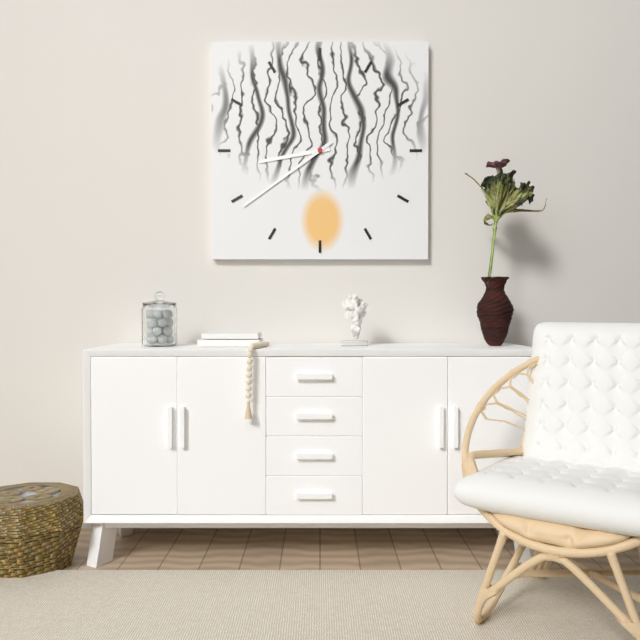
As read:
8:39
